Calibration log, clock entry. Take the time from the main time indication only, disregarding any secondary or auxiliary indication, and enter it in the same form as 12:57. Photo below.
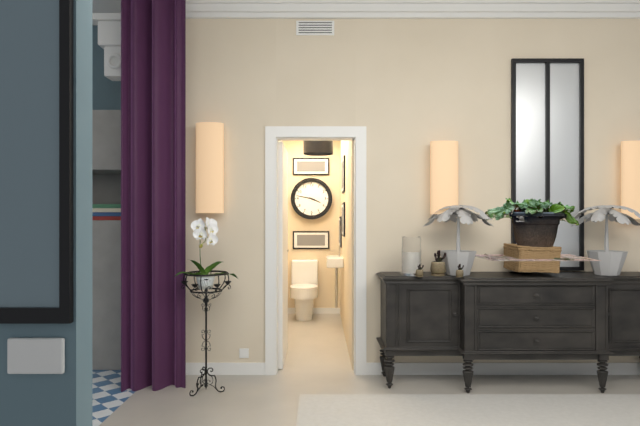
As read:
3:47
